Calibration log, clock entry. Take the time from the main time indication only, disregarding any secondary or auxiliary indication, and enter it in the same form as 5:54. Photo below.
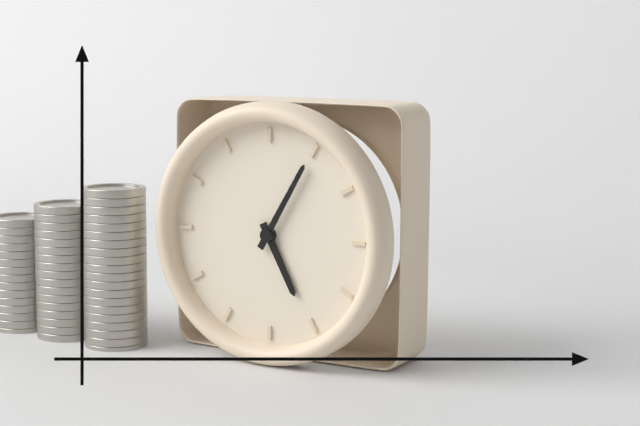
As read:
5:05
